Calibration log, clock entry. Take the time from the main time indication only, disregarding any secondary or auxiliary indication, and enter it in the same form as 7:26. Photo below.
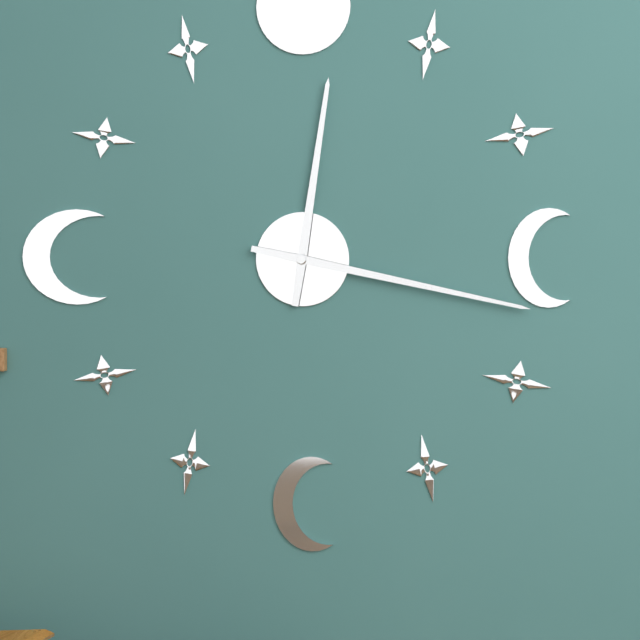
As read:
12:17
